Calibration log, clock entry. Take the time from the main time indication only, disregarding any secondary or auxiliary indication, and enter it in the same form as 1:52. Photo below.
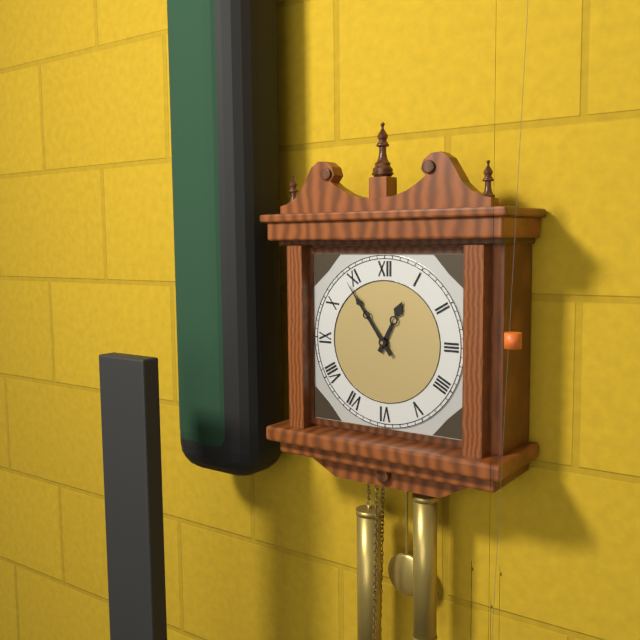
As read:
12:54
